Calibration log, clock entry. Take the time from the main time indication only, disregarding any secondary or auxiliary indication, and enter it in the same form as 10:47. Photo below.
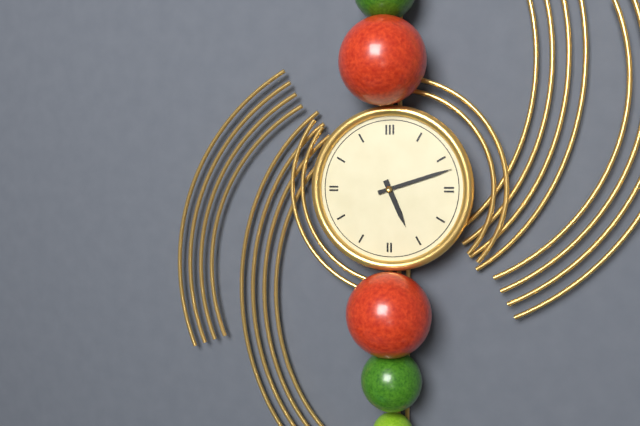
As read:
5:12
